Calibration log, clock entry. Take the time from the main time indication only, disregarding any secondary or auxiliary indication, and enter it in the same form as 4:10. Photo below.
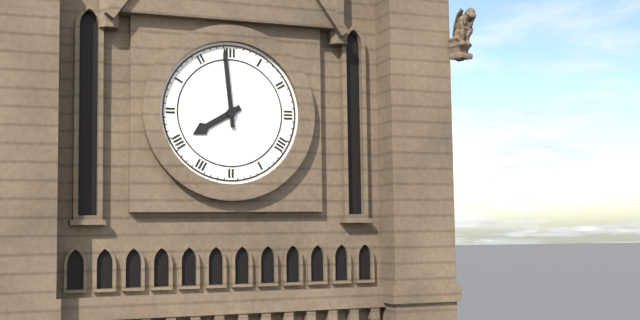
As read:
7:59
